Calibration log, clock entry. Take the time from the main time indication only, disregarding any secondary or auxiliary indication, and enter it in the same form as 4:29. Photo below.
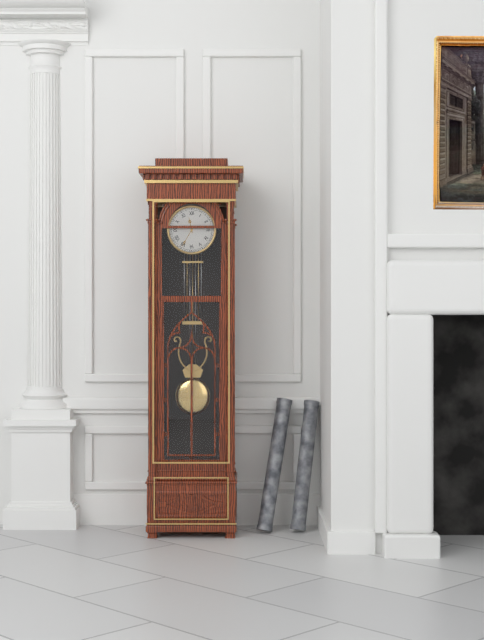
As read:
11:35
